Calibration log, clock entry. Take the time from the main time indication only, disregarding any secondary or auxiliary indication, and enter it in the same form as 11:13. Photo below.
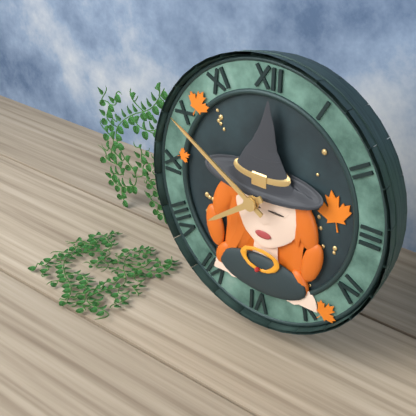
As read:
7:50
